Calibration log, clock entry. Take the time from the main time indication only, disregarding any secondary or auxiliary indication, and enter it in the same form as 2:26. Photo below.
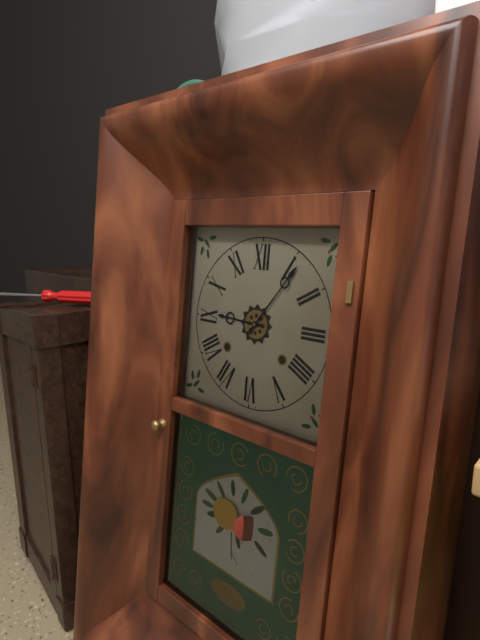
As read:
9:06
